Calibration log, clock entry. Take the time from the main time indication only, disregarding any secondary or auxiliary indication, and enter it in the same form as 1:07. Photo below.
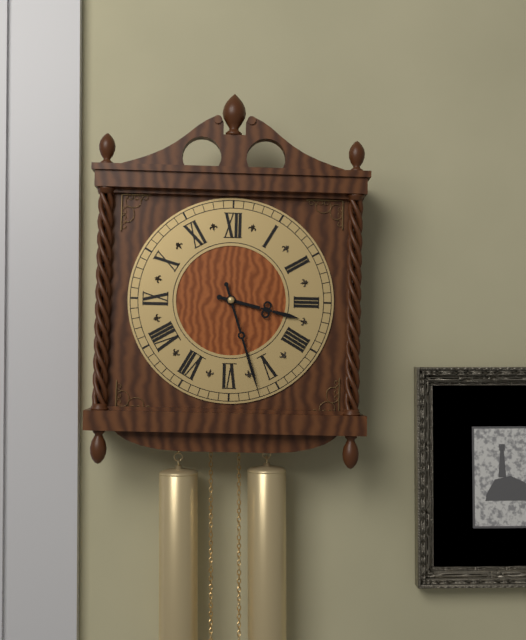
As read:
3:27
